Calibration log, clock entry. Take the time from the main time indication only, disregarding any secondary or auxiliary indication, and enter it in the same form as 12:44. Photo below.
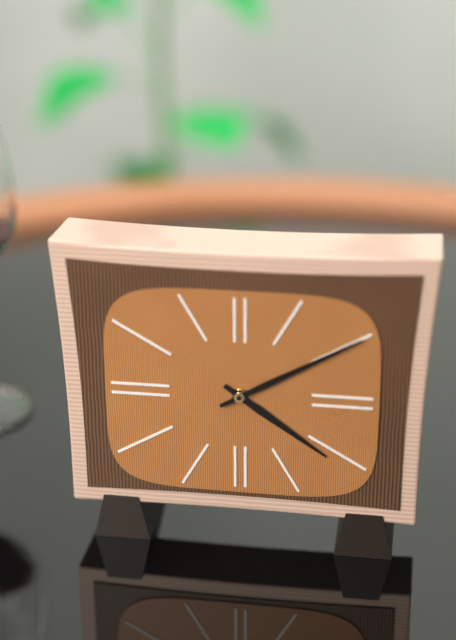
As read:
4:10
